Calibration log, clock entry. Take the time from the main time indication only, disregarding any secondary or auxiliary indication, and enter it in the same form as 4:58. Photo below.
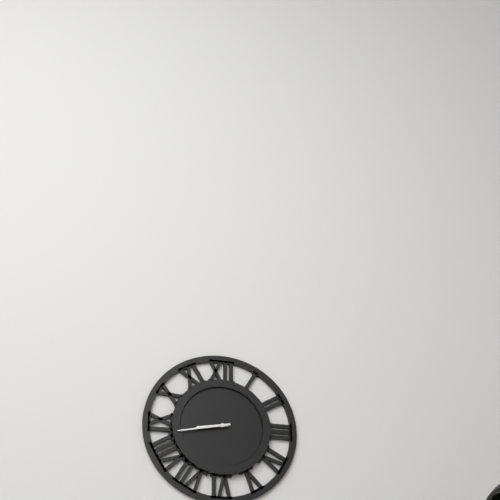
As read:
8:43
